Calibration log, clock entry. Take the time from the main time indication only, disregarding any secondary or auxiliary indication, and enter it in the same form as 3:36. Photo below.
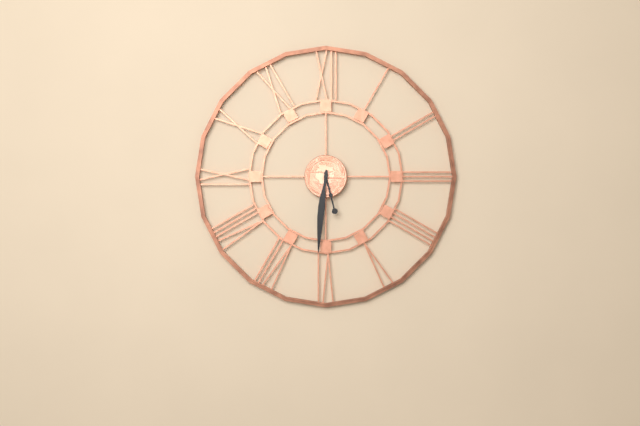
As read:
5:31
